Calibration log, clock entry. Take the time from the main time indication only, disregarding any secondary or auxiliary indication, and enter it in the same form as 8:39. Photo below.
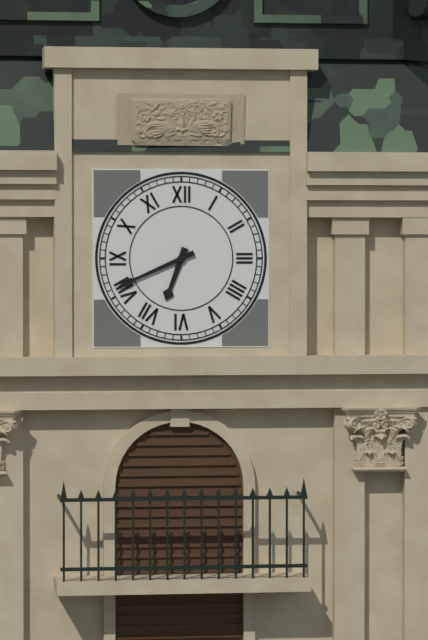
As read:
6:41
